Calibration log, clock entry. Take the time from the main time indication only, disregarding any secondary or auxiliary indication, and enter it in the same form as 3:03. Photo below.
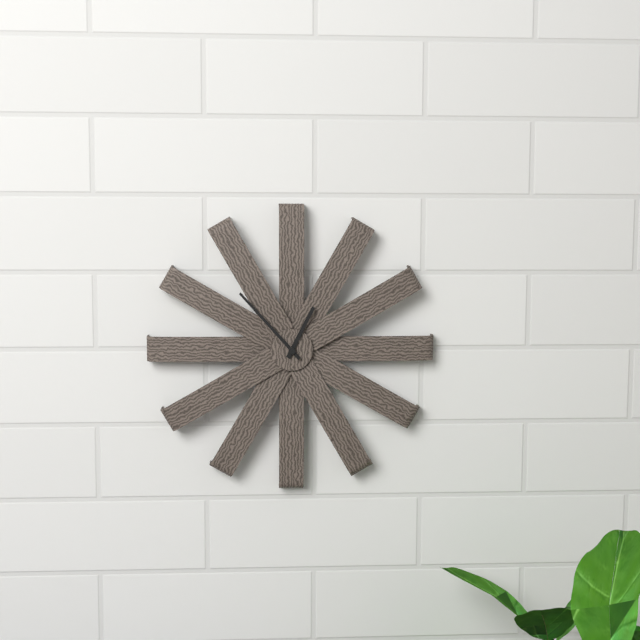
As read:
12:53
